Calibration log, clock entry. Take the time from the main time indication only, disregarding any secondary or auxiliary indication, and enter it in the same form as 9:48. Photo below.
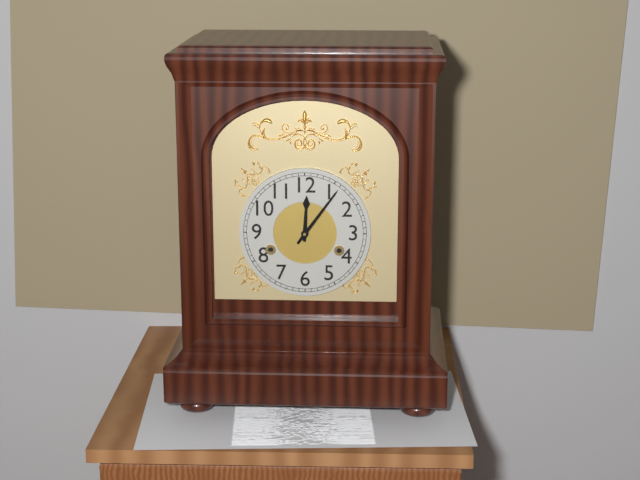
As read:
12:06
